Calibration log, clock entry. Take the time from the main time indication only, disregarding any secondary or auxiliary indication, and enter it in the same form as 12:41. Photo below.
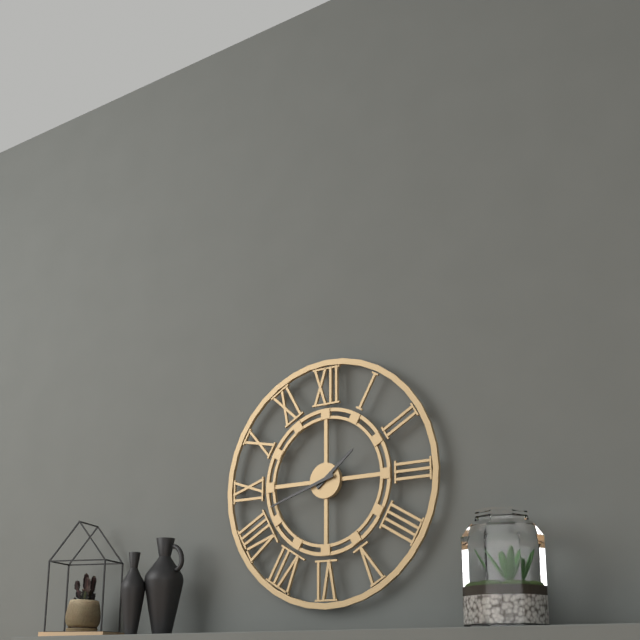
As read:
1:42
